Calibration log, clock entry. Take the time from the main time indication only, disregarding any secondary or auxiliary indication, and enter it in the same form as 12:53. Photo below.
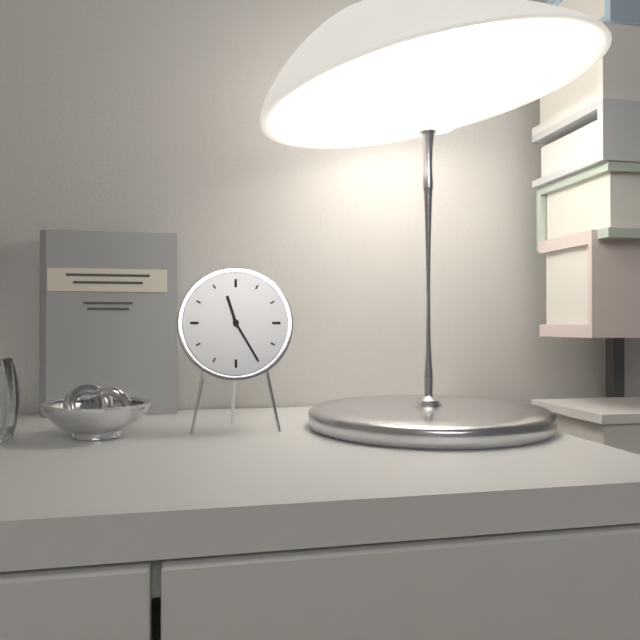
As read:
11:25
